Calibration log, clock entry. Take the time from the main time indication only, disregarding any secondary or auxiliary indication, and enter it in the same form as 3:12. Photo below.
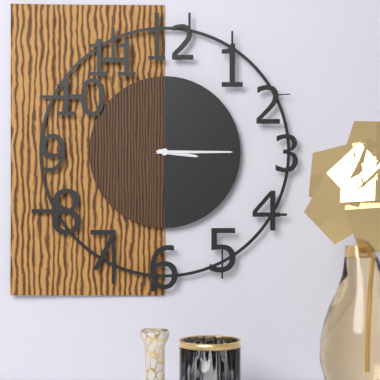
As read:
3:15
